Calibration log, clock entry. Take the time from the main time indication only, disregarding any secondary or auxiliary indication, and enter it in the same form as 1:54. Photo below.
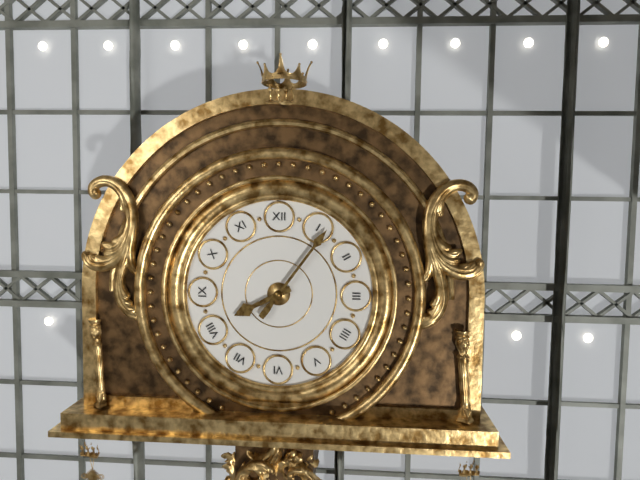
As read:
8:06
